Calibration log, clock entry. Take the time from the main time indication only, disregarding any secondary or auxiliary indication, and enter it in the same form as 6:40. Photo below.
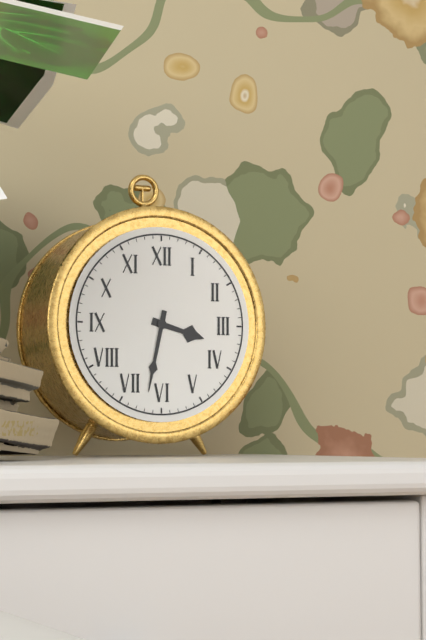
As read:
3:32
